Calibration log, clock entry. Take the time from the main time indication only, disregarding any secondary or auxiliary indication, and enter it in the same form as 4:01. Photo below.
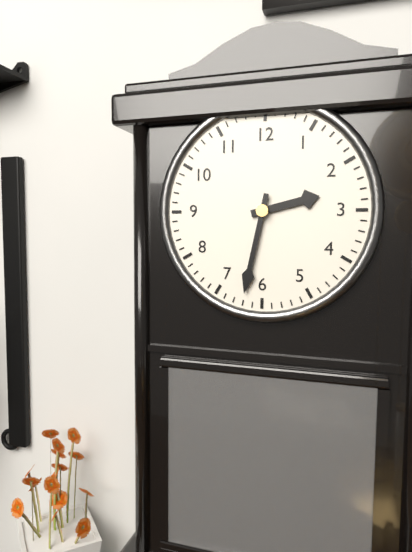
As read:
2:32
